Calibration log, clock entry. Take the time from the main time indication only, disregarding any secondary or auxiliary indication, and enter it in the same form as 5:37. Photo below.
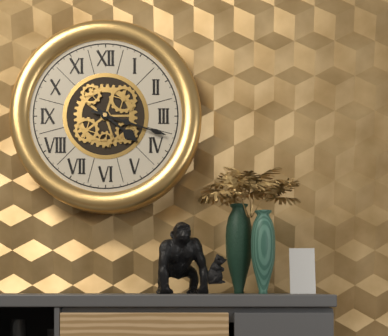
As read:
4:18
